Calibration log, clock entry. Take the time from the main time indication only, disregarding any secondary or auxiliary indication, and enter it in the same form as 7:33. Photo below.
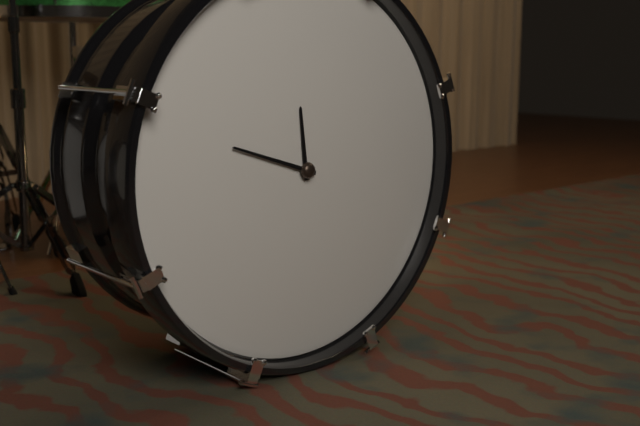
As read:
11:48
